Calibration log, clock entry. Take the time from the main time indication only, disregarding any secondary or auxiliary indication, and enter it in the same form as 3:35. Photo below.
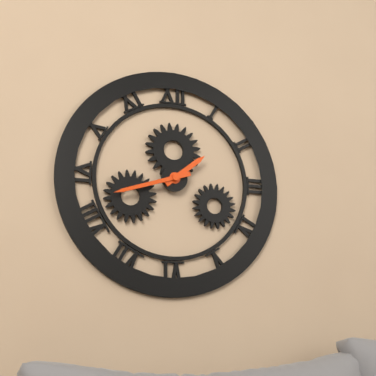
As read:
1:42
